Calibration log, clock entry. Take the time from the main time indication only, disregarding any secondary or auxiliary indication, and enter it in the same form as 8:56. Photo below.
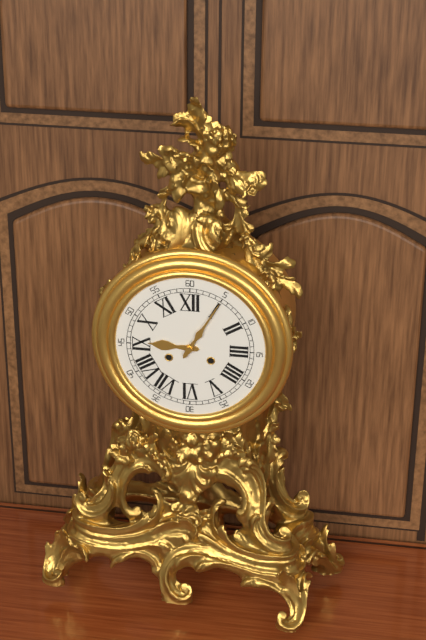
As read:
9:05
